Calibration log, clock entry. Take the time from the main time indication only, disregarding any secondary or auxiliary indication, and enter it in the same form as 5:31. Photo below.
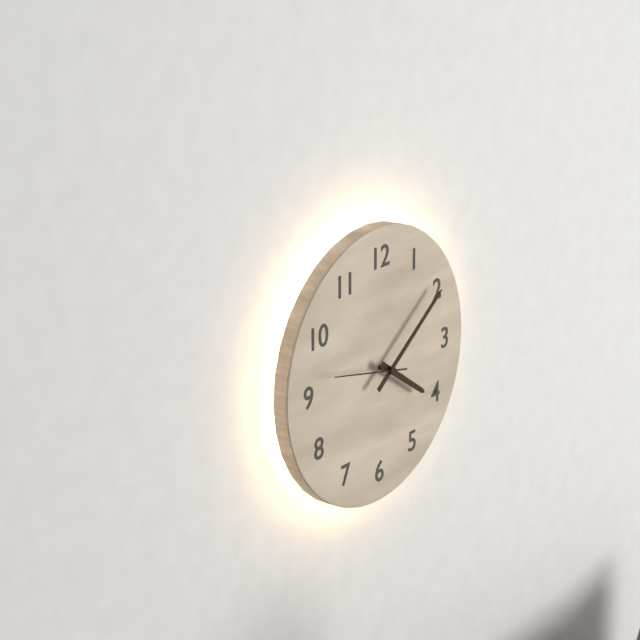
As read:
4:09
